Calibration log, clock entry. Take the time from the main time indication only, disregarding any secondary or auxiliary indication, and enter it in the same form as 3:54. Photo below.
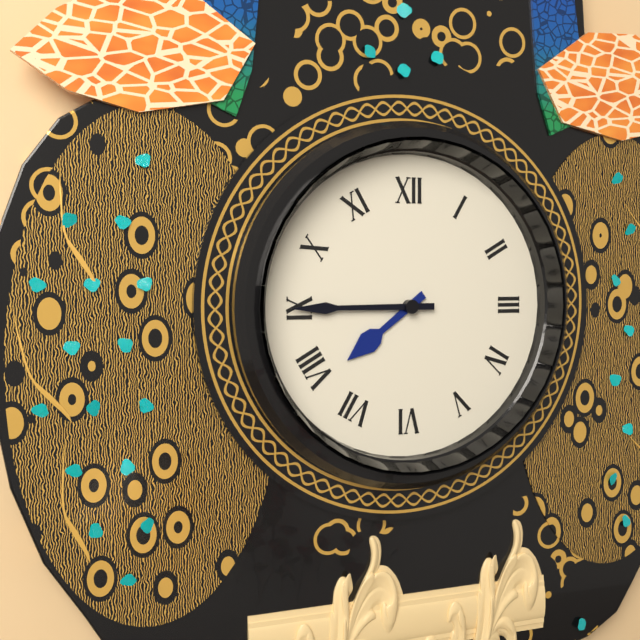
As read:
7:45
